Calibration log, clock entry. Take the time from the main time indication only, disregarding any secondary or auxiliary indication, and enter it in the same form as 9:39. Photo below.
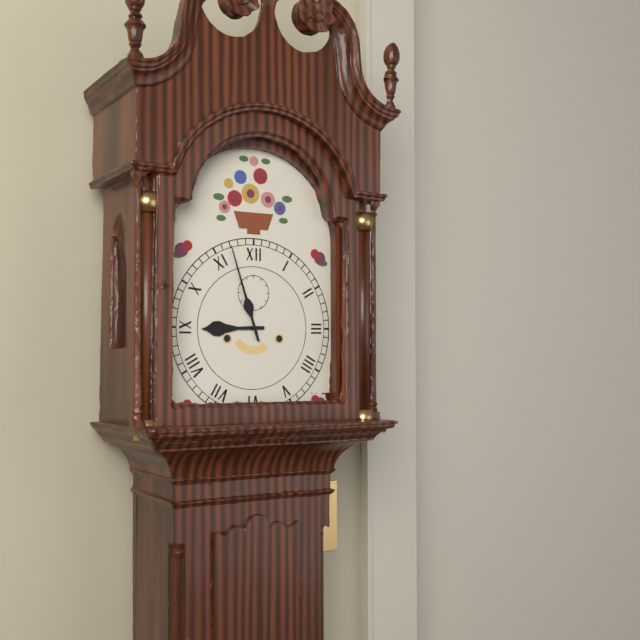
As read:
8:57
